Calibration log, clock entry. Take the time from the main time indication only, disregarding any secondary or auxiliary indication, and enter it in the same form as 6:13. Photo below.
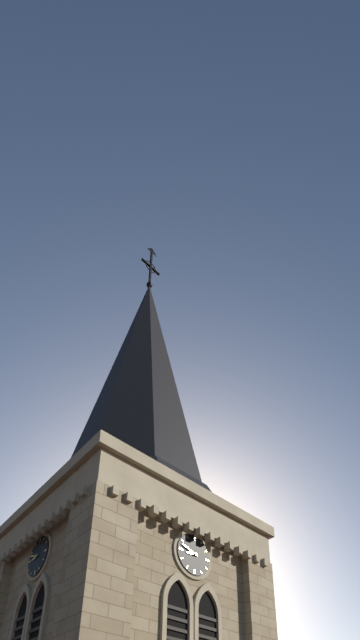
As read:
8:48
